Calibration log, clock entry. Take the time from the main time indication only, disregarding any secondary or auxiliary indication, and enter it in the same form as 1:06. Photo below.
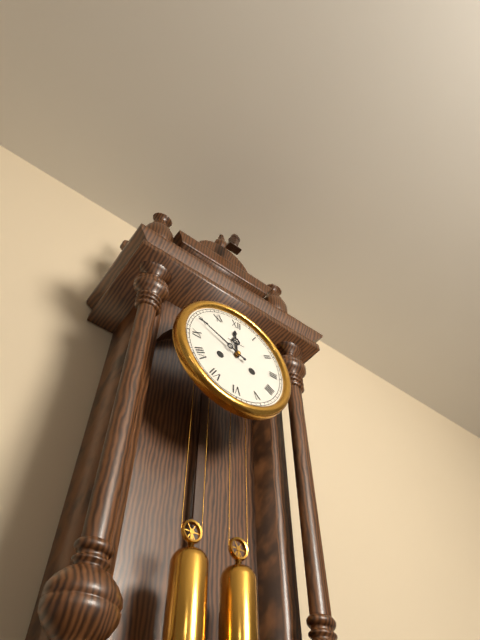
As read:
11:49
